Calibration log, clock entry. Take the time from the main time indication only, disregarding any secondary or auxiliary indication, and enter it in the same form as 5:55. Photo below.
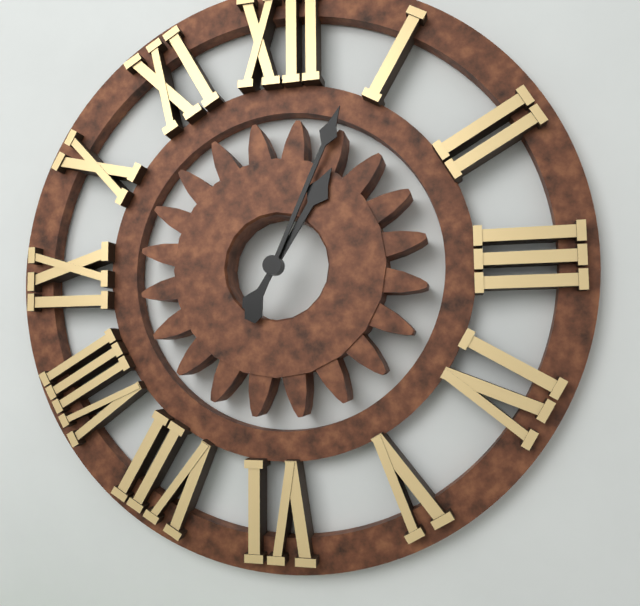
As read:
1:04
